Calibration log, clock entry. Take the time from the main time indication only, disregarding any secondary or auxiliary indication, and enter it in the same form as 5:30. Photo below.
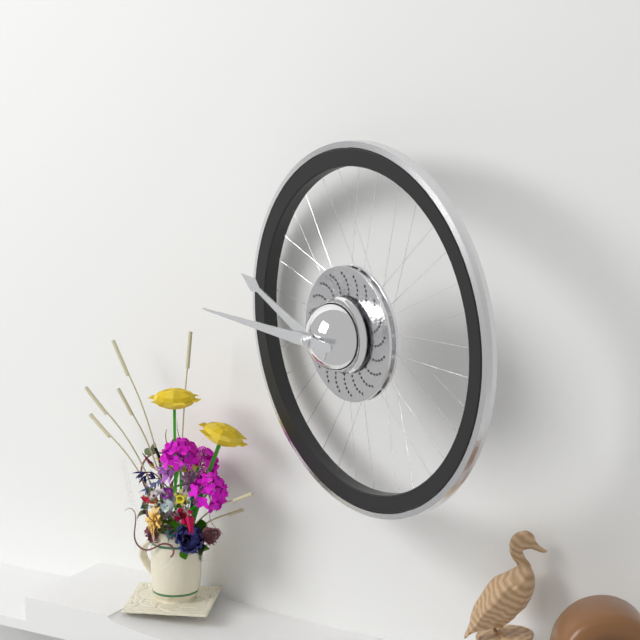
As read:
9:45
